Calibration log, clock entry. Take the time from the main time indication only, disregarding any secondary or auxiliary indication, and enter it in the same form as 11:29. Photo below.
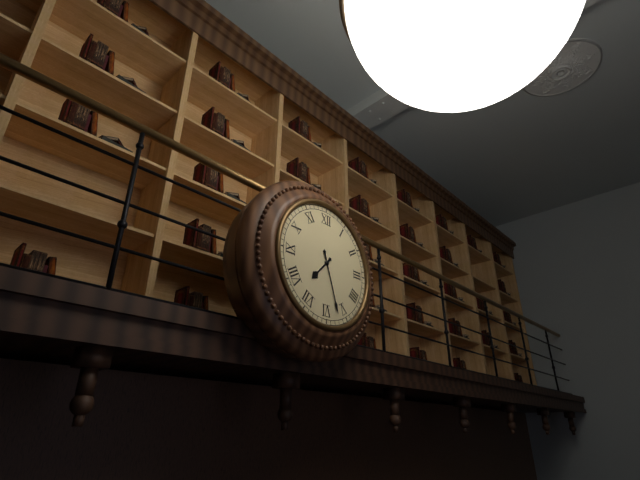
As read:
7:27
